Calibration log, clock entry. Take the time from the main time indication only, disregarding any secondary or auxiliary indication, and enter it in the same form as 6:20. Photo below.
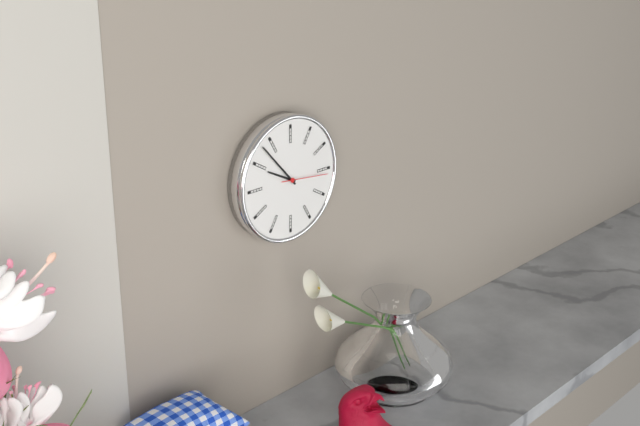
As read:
9:53
